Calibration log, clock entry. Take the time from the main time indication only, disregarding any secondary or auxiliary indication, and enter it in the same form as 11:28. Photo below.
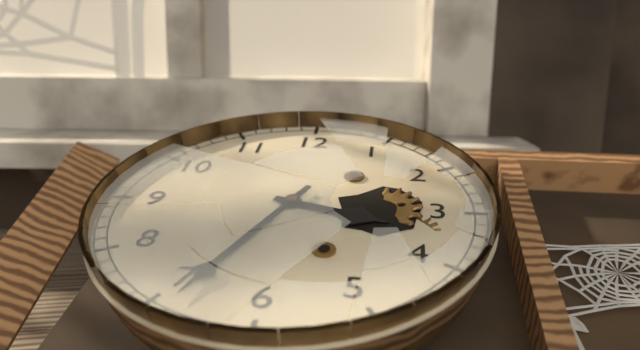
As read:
3:34
